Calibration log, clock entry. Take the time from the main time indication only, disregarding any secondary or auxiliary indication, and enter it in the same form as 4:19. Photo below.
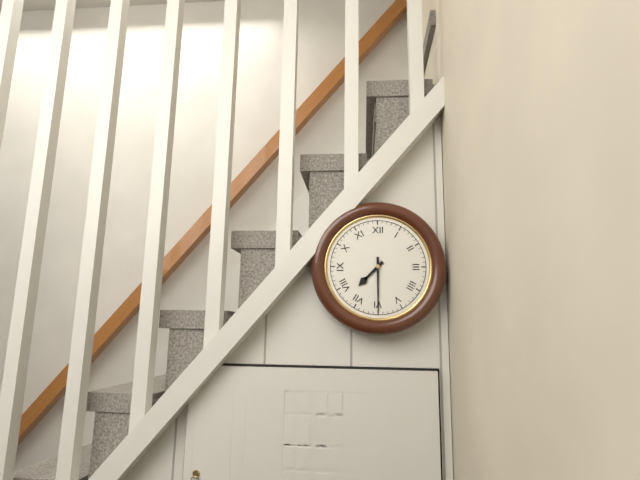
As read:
7:30
